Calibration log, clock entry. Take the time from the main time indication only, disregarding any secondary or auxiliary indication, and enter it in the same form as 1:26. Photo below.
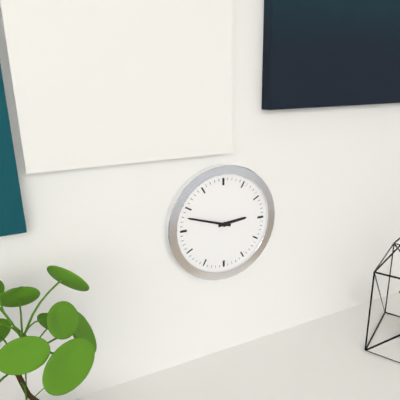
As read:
2:48
